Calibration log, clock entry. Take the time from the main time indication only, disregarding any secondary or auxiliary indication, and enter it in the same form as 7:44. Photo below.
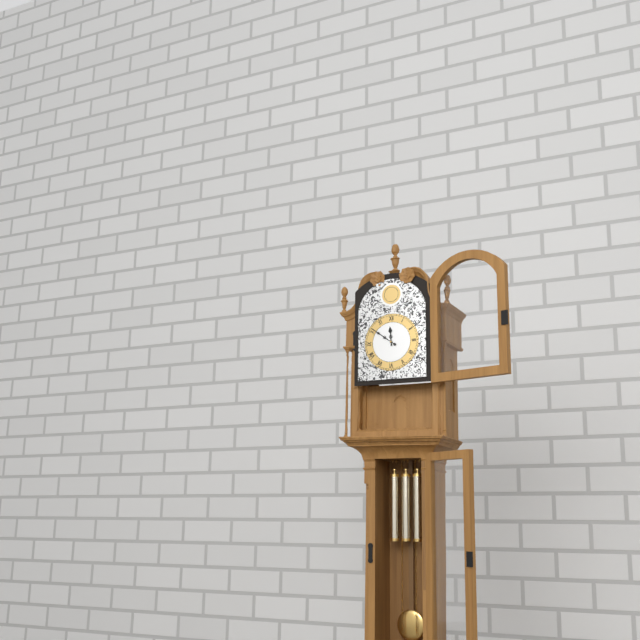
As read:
11:51
